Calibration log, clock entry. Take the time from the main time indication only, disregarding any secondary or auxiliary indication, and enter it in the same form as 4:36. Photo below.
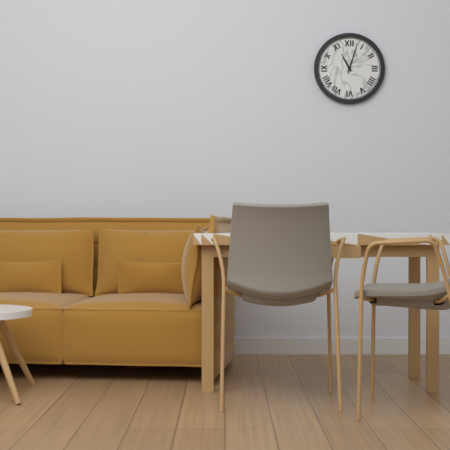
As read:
11:03
